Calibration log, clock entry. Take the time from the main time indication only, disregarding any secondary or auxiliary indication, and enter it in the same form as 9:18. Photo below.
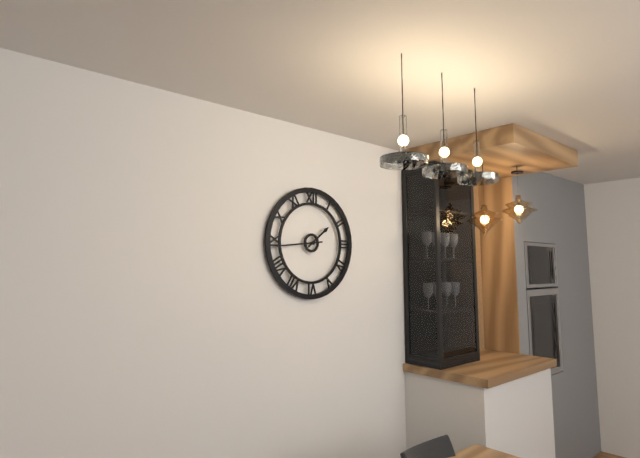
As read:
1:44
